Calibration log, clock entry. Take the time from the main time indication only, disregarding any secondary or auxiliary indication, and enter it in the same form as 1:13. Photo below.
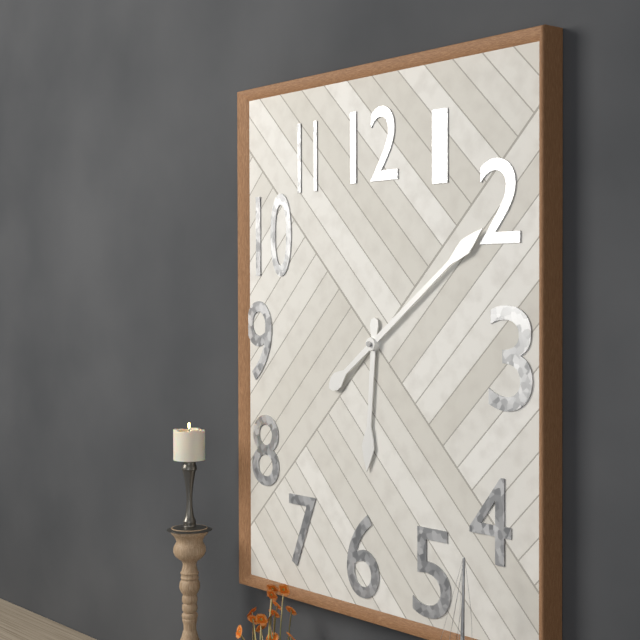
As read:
6:09
